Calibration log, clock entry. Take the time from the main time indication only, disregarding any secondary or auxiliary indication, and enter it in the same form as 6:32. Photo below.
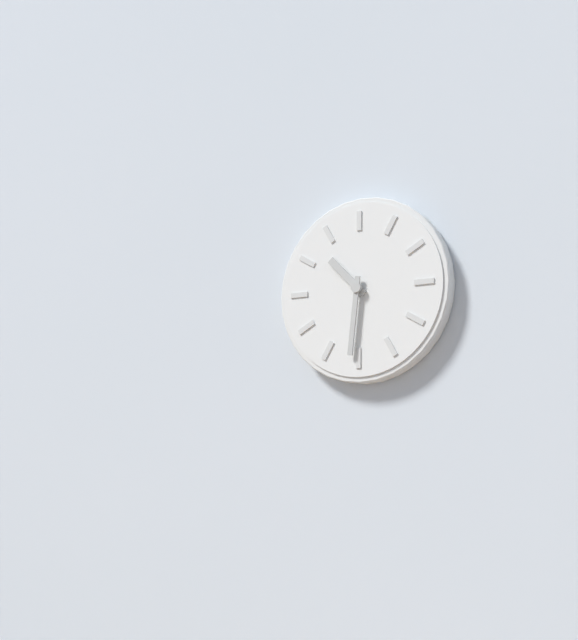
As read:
10:31
